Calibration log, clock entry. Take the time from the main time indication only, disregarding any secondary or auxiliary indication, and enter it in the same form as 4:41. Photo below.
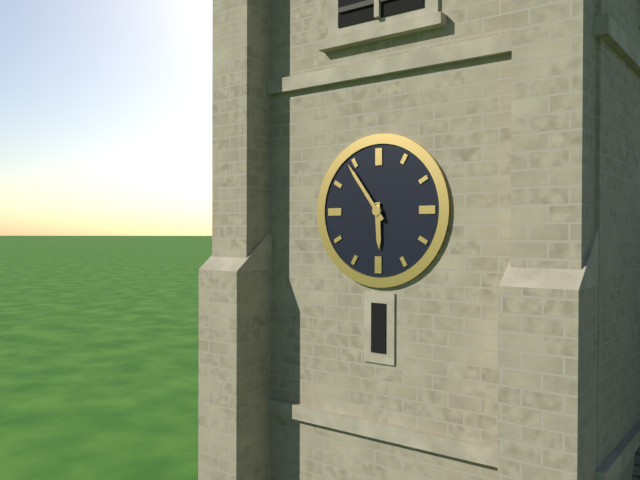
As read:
5:54
